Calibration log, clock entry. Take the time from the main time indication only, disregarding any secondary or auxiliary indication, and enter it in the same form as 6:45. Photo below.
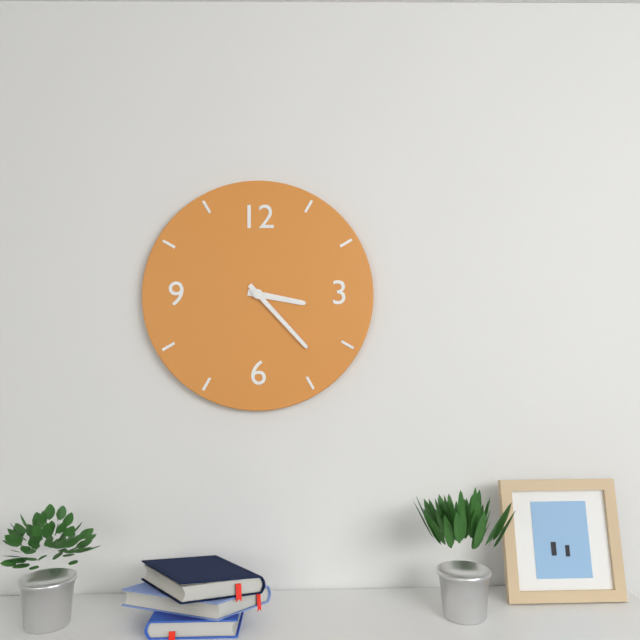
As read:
3:23
